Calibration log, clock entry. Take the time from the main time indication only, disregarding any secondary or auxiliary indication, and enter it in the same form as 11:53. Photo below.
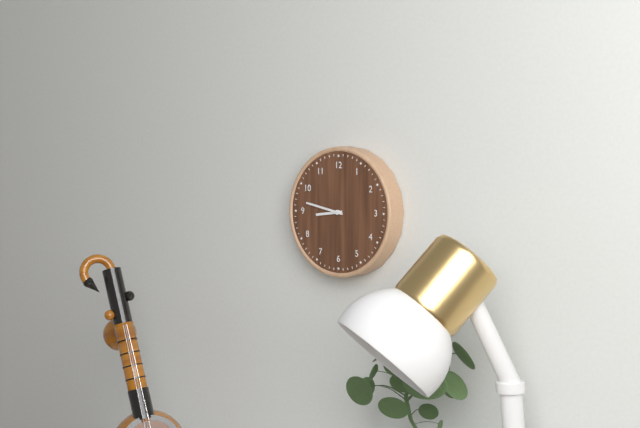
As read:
8:47
